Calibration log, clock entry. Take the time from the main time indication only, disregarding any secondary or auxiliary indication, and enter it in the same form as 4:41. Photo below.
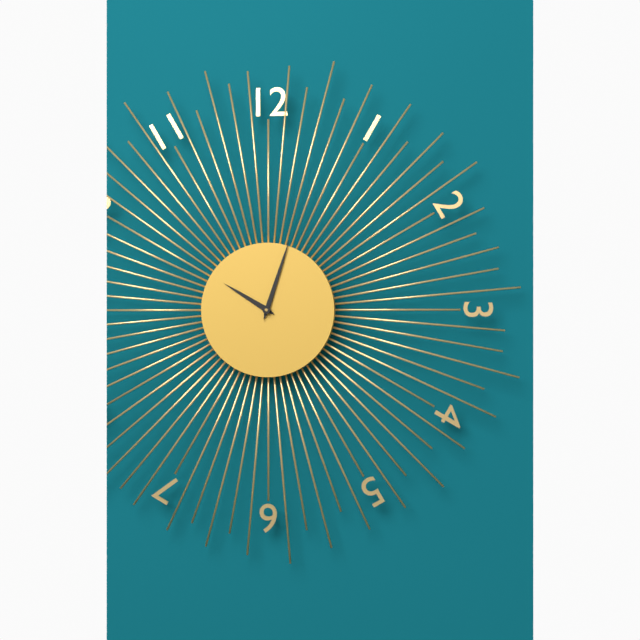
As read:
10:03
